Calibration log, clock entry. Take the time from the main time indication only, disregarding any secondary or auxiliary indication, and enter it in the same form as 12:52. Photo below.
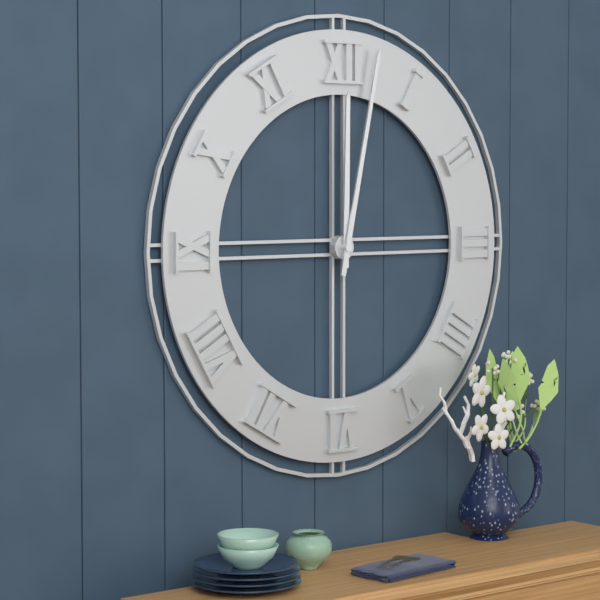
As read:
12:02
